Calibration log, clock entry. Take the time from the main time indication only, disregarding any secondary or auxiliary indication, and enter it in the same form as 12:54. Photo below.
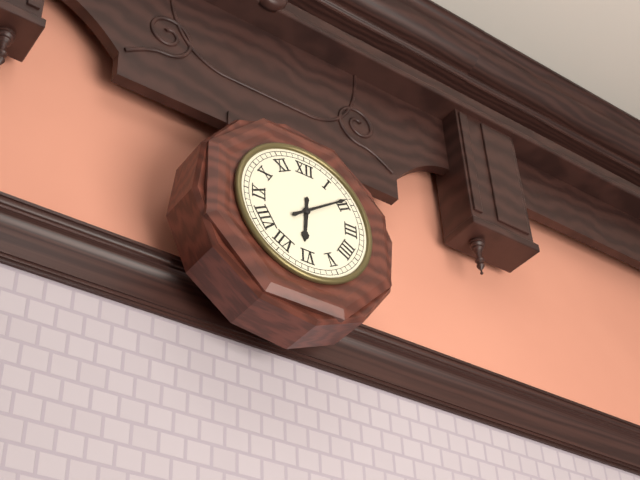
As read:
6:09
